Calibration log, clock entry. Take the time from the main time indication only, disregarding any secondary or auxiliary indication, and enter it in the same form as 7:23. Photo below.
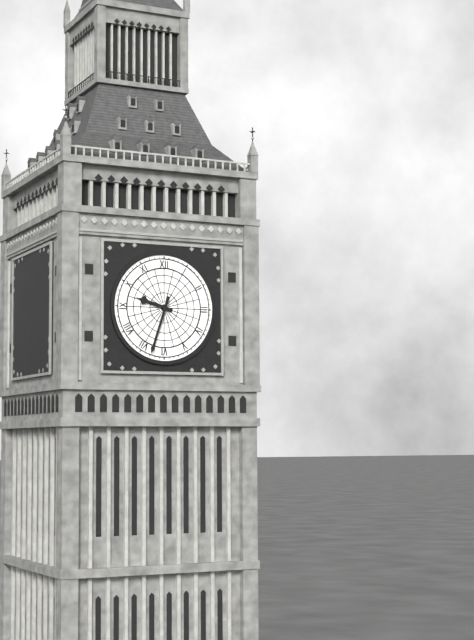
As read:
9:33
